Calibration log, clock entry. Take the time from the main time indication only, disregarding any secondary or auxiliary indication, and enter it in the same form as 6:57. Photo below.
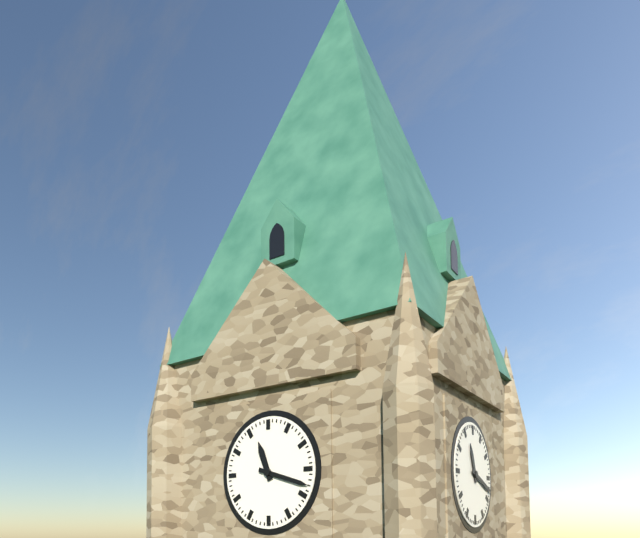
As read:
11:18
